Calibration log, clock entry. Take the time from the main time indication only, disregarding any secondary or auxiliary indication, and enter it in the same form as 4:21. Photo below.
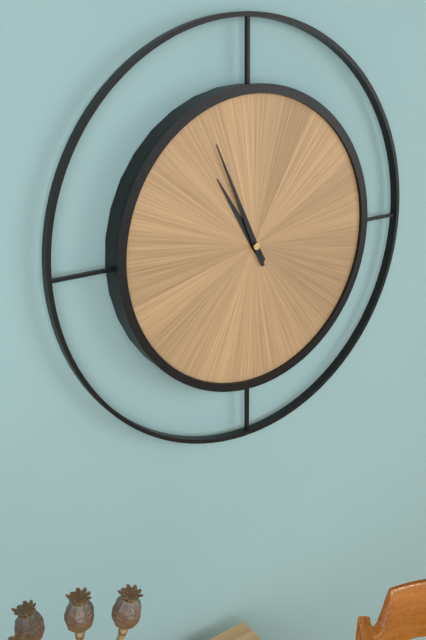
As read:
10:56
